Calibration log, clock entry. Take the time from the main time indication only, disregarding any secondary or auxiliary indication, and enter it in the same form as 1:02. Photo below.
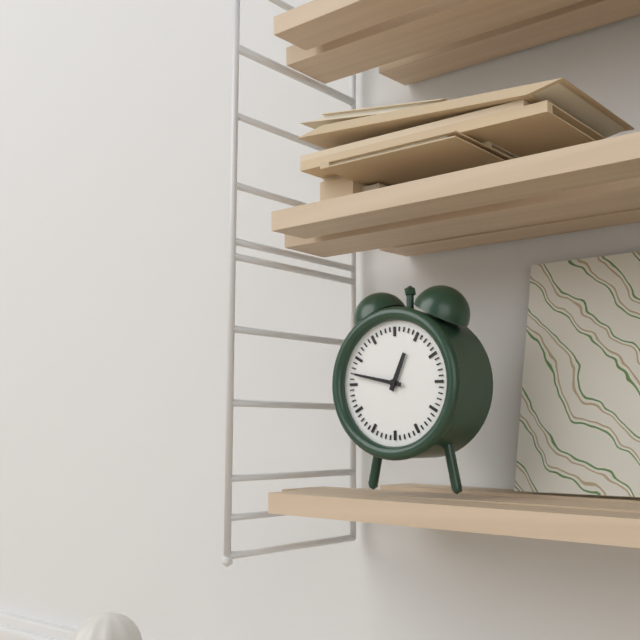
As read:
12:47
